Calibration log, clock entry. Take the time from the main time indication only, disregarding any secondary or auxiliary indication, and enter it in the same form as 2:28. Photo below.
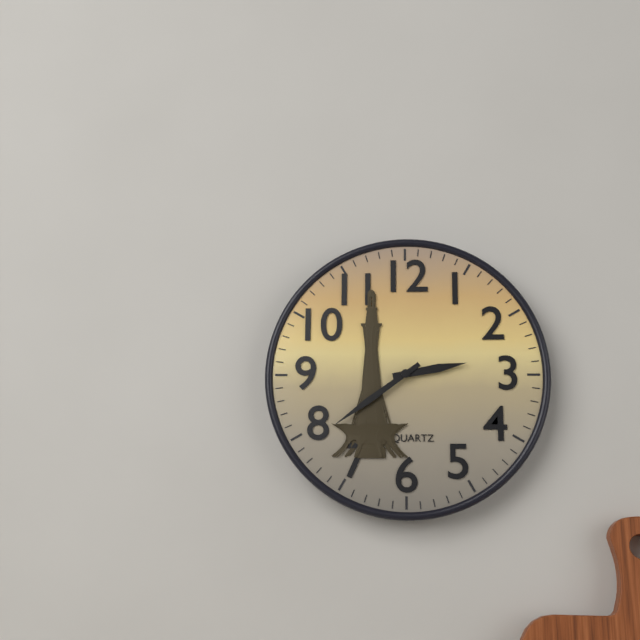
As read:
2:39
